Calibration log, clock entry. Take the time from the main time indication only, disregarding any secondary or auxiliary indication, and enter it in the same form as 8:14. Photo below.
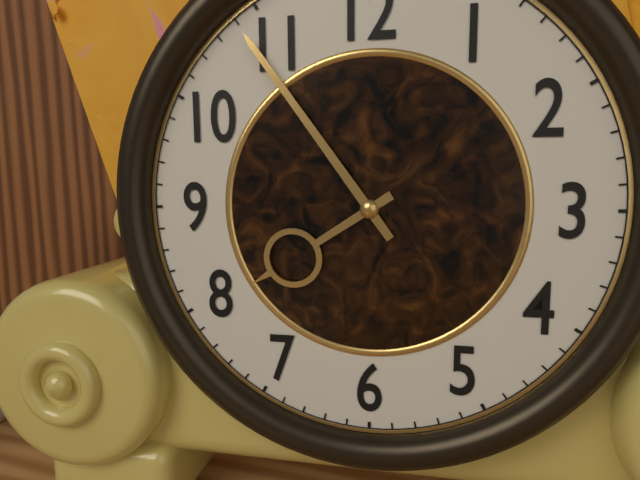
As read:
7:54
